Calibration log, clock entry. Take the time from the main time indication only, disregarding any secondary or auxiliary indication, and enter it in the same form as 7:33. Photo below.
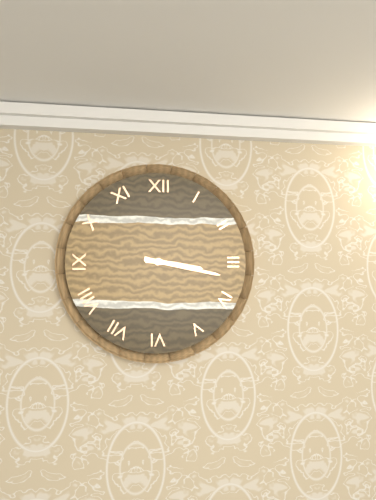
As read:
3:17
